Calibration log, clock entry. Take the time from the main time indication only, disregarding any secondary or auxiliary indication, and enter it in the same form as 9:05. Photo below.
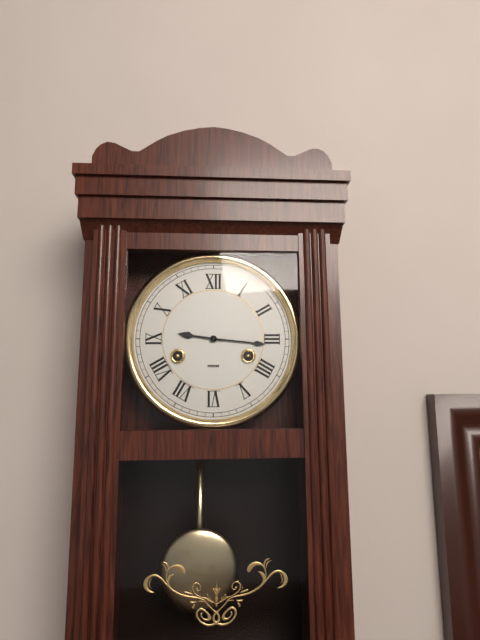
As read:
9:16
